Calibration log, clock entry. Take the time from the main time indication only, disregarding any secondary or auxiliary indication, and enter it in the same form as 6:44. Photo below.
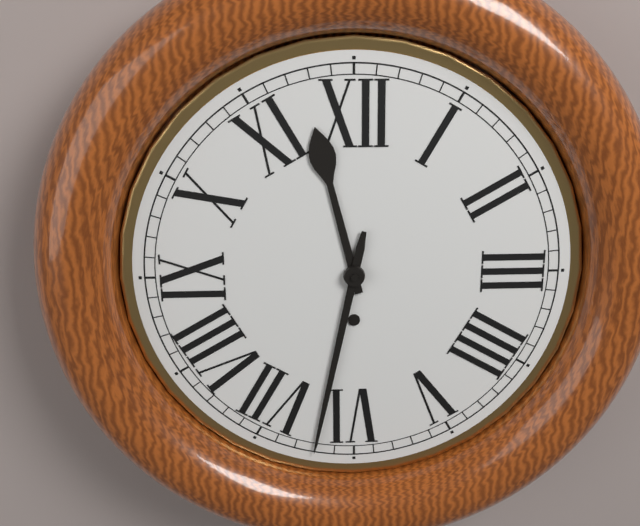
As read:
11:32
